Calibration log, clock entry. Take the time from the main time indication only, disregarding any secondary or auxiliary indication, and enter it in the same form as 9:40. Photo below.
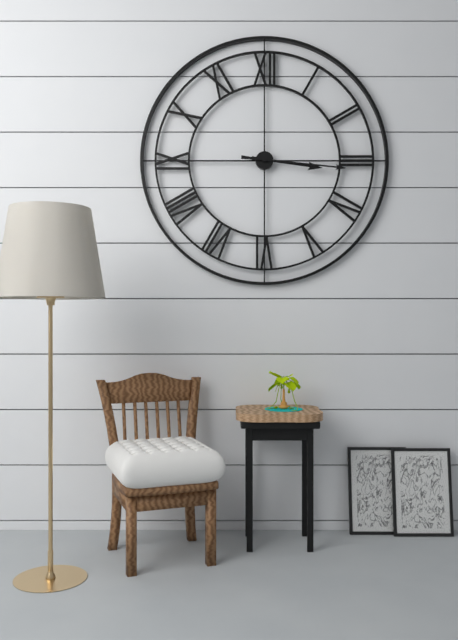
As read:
3:16
